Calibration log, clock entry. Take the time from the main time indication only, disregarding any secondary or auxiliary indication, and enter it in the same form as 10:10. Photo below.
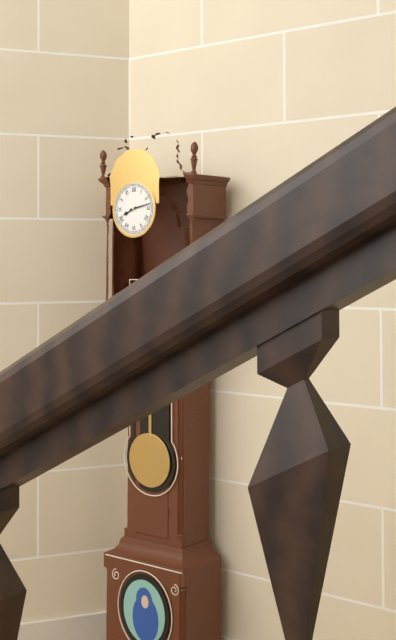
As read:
8:13
